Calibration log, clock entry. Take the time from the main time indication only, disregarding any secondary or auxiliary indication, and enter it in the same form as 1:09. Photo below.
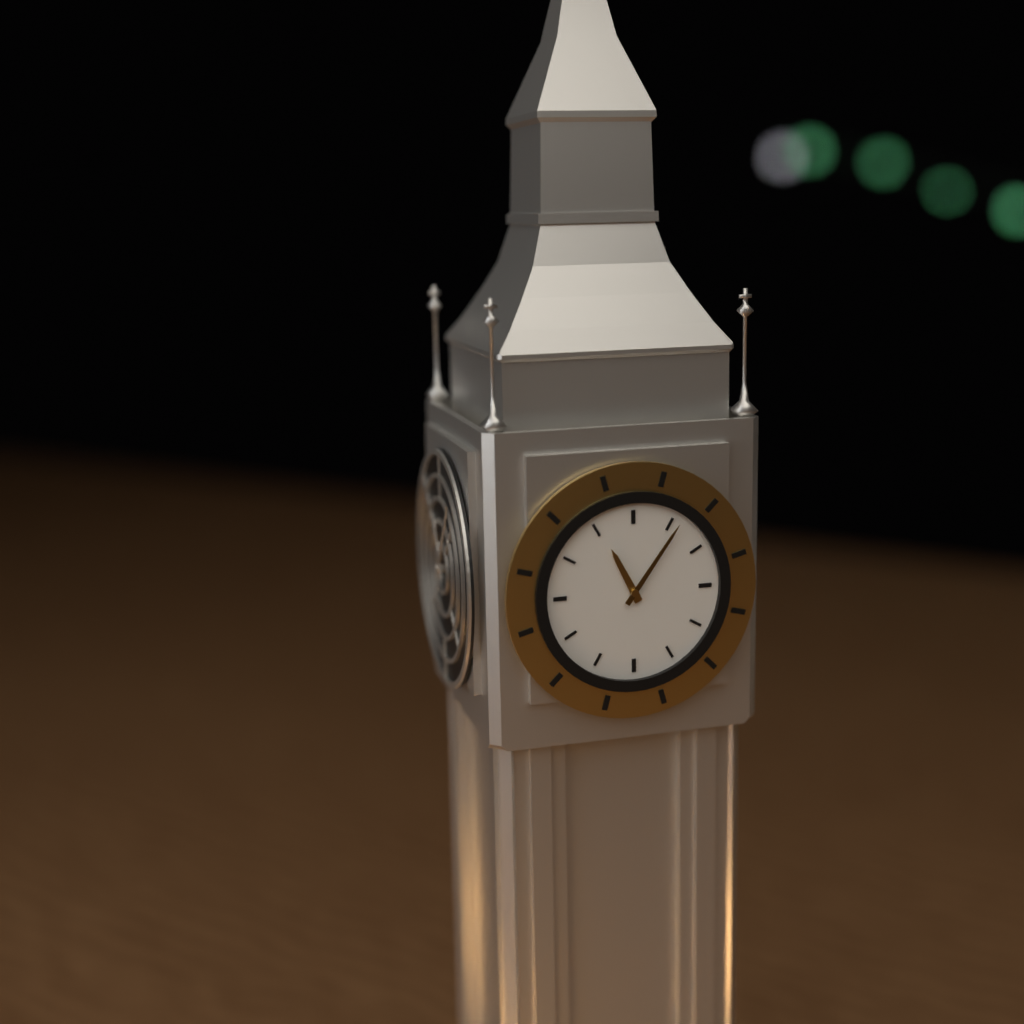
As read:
11:06
